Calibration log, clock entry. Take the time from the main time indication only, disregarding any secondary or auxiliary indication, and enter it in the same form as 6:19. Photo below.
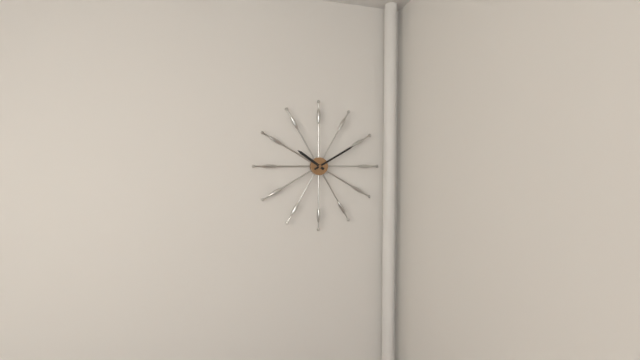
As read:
10:10
